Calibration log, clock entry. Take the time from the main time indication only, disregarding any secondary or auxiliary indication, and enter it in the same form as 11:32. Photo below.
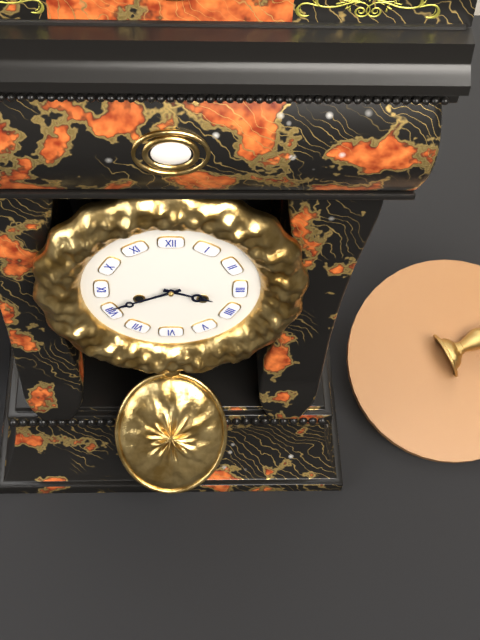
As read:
3:41
